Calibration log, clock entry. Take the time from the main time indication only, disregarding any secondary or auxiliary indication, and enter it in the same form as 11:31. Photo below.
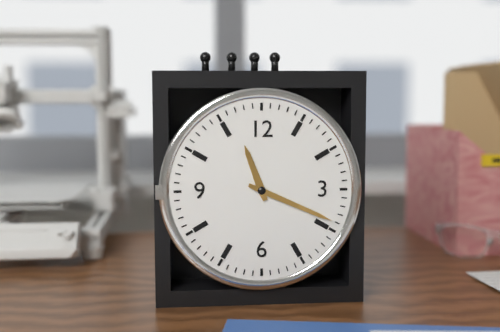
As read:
11:19
